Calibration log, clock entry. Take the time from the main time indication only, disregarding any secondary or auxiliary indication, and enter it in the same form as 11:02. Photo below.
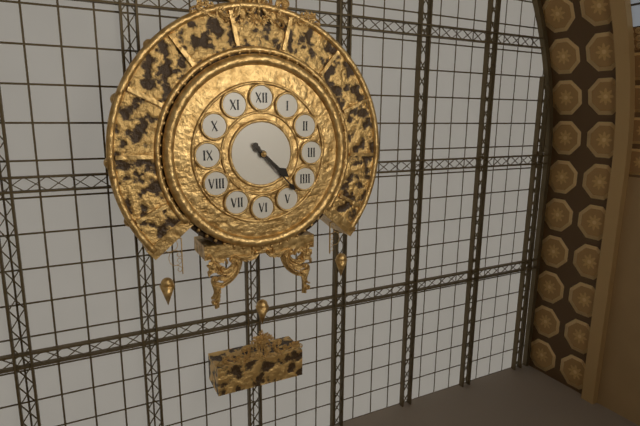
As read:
4:23
